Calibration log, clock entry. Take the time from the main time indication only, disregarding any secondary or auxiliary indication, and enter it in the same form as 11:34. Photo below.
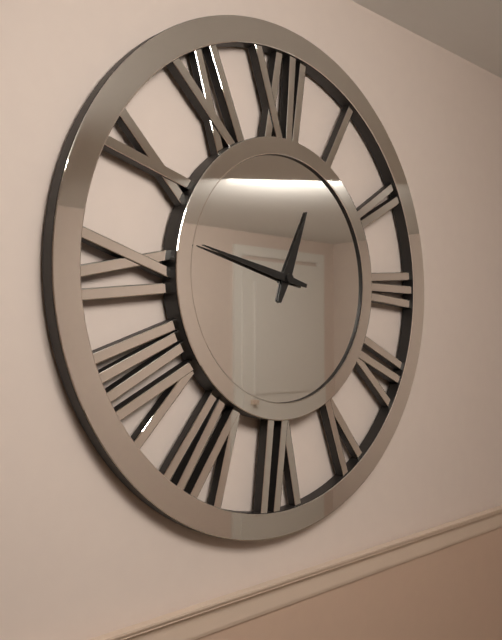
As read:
12:47
